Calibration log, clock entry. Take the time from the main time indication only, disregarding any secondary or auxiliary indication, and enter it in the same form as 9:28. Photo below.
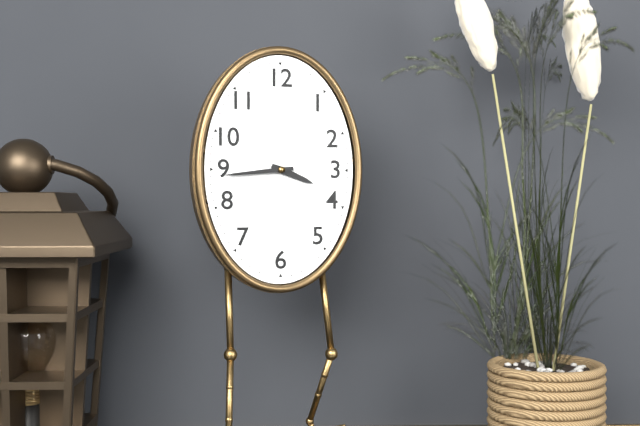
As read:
3:44
